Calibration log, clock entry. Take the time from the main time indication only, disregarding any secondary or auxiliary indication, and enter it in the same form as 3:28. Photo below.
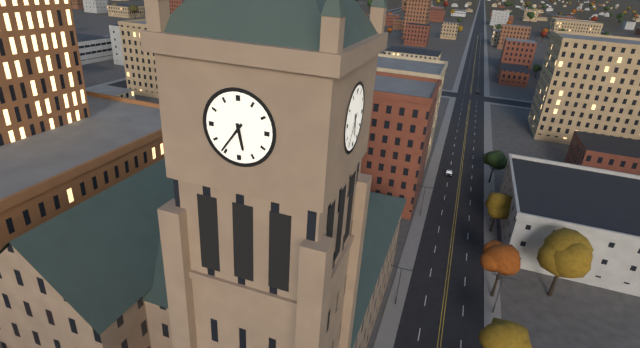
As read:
5:36
